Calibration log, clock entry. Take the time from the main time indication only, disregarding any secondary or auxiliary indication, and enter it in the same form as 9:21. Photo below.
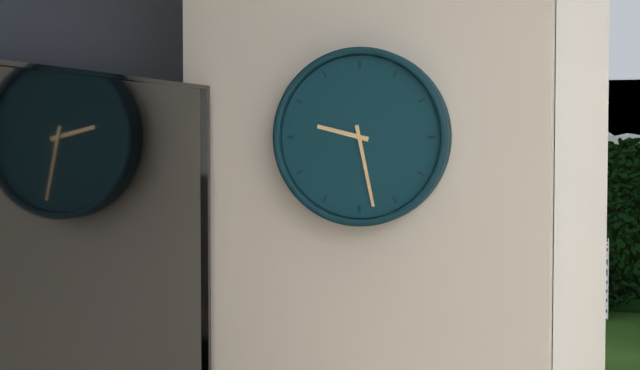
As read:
9:28
